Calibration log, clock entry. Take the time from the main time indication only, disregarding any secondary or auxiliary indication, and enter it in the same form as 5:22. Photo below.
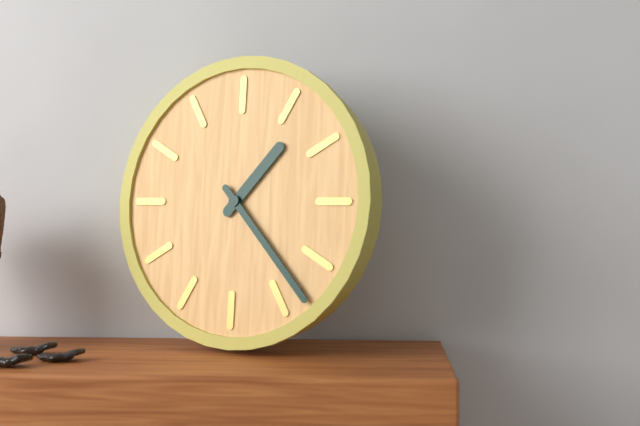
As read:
1:23
